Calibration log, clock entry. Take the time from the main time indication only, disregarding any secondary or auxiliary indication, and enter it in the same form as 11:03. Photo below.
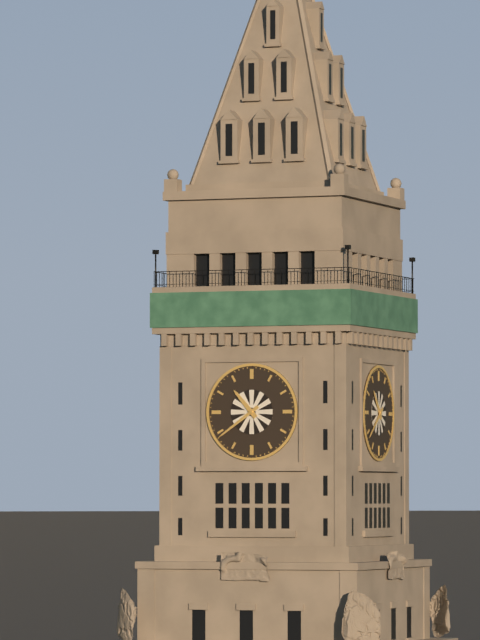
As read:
10:39
